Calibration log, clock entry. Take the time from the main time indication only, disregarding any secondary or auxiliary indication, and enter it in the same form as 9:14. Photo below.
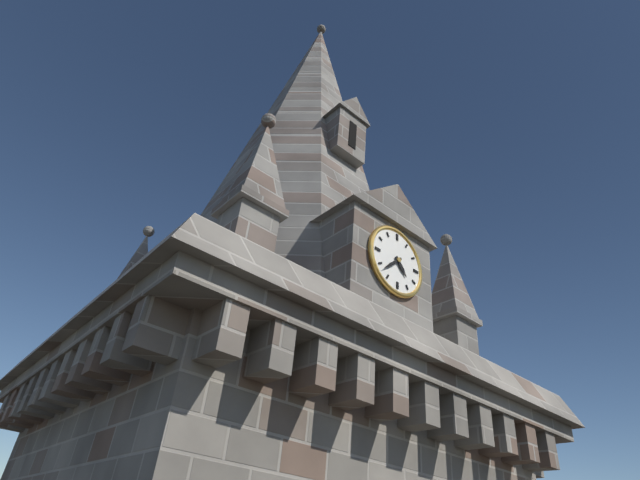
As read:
4:38
